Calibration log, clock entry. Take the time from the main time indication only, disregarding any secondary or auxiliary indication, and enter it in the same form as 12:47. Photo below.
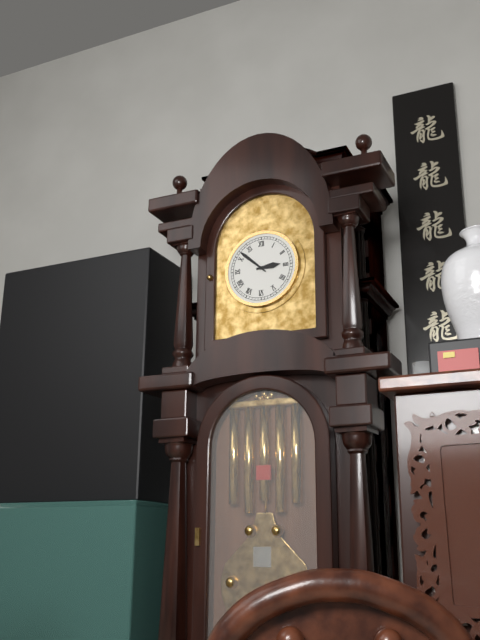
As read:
2:52
